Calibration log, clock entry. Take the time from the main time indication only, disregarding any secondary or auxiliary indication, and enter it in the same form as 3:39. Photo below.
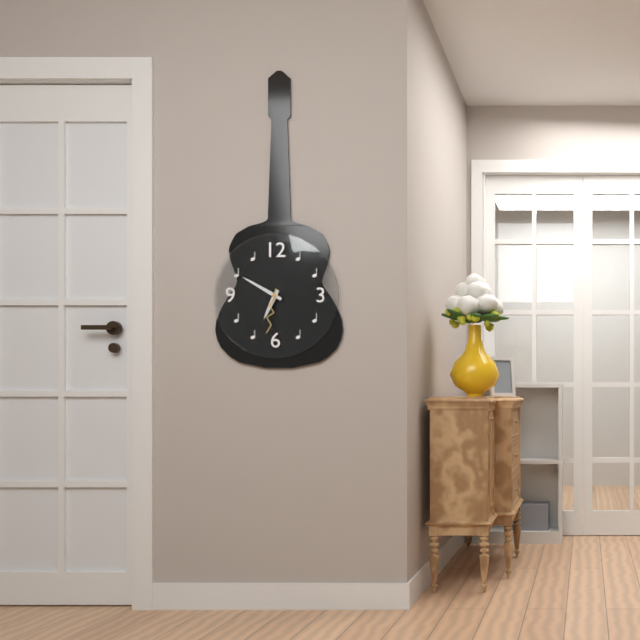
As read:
6:50
